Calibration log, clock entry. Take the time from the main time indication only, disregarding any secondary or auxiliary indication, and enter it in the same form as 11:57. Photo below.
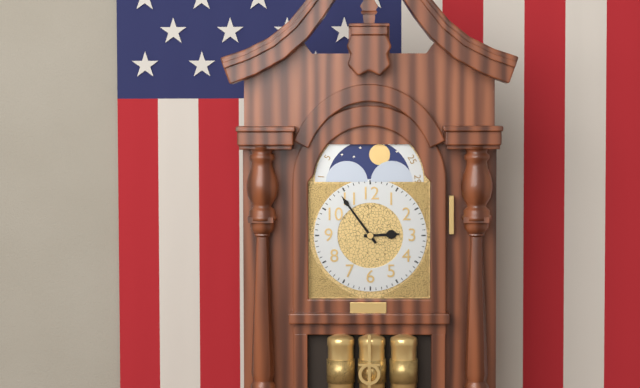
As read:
2:54
